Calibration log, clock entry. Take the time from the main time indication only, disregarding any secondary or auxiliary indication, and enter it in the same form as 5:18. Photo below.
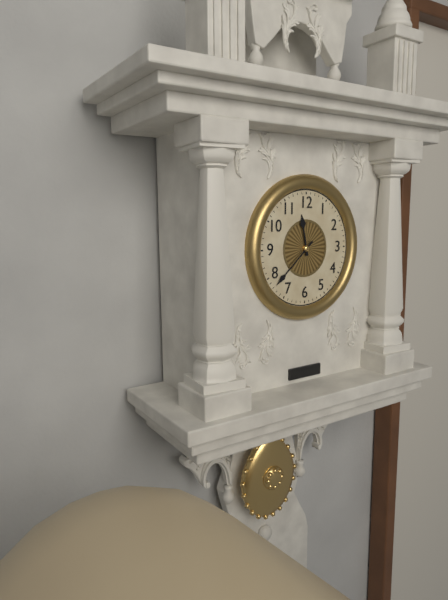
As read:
11:38
